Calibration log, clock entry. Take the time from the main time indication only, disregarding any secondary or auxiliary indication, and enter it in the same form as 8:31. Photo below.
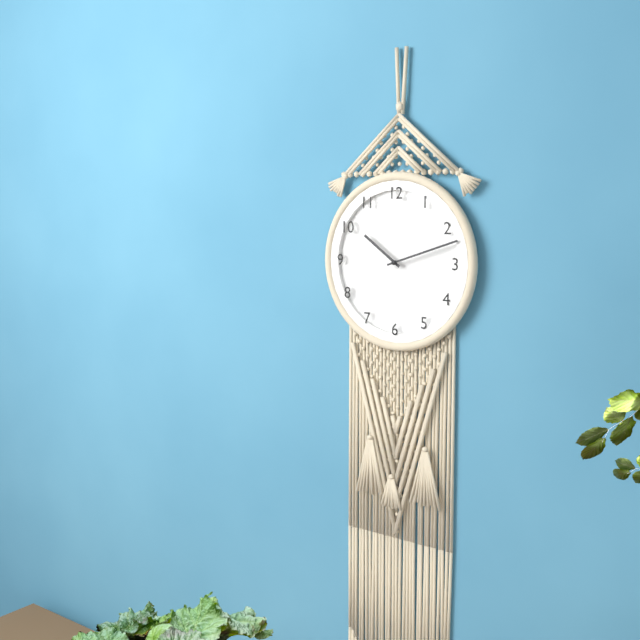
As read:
10:12
